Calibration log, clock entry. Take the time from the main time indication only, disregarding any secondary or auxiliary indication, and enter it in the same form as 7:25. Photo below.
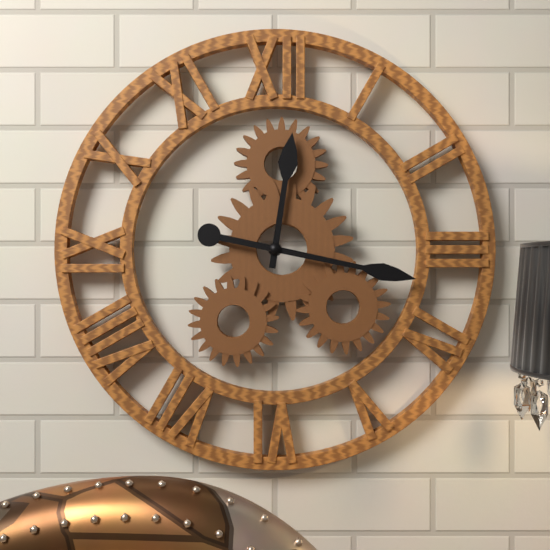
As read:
12:17
